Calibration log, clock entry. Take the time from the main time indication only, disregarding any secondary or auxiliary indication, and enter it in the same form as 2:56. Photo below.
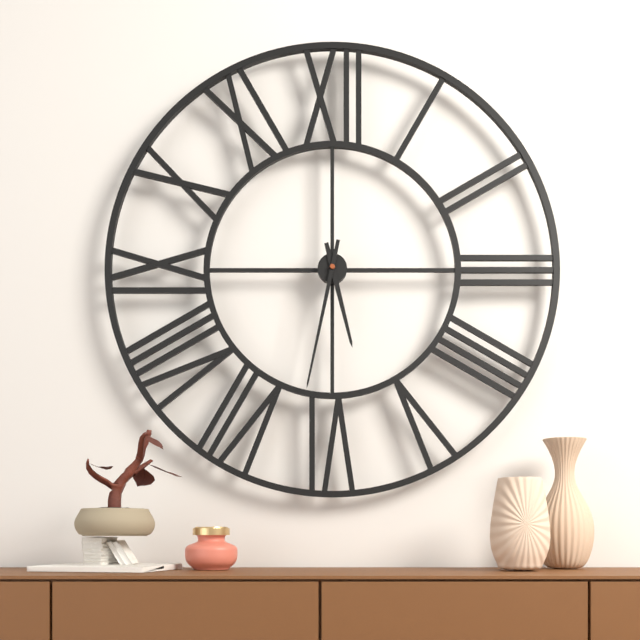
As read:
5:32
